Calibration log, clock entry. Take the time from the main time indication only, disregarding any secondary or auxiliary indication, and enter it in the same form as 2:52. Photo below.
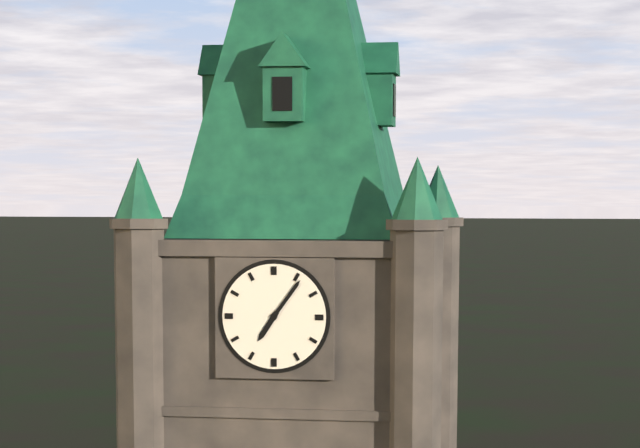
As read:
7:06
